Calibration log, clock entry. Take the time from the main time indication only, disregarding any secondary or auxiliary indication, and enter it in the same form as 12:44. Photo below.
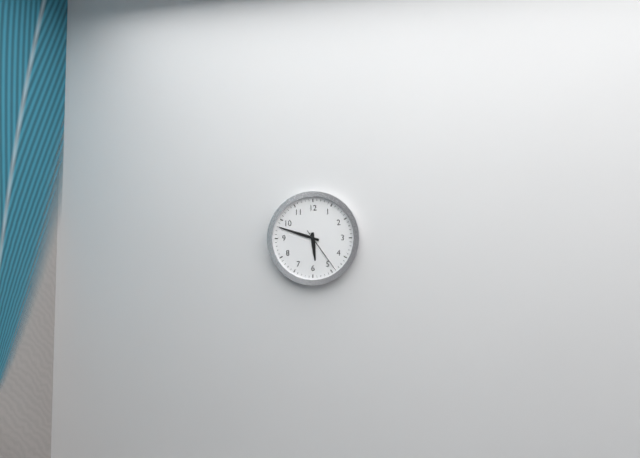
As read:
5:48
